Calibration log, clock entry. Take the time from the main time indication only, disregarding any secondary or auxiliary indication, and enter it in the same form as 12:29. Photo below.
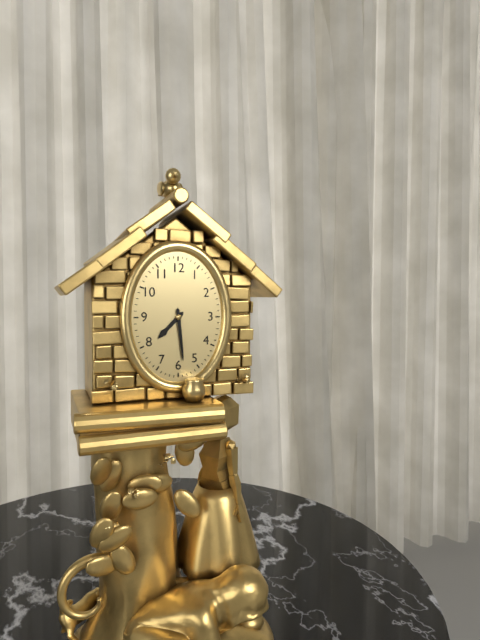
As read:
7:29
